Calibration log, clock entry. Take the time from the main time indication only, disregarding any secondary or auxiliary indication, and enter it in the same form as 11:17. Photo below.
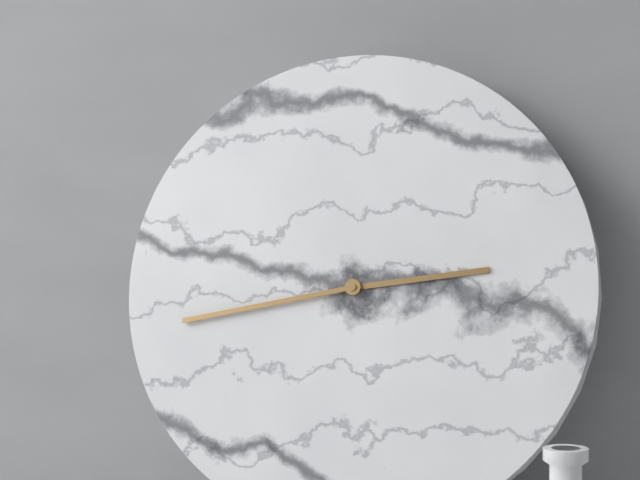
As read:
2:43
